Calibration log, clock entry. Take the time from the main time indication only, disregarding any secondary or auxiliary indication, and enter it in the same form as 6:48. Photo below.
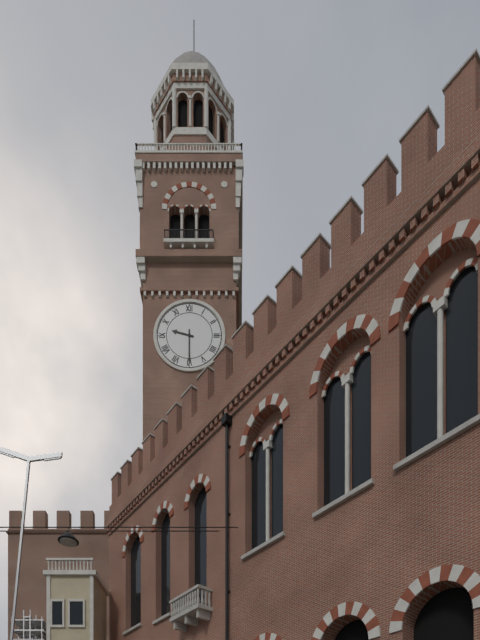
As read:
9:30
